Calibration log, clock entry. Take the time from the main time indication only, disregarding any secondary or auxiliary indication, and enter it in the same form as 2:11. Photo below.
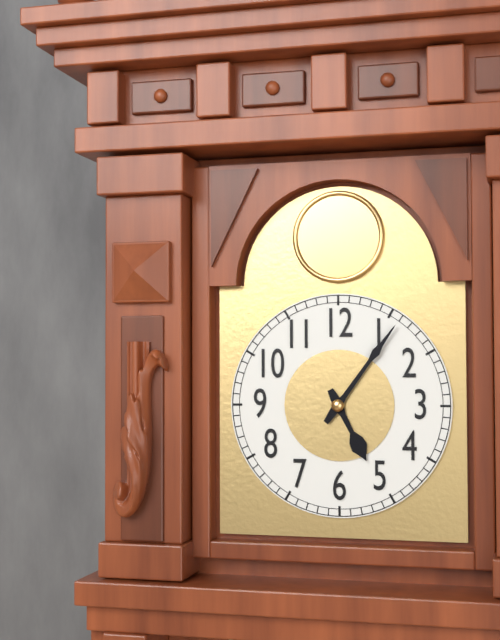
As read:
5:06
